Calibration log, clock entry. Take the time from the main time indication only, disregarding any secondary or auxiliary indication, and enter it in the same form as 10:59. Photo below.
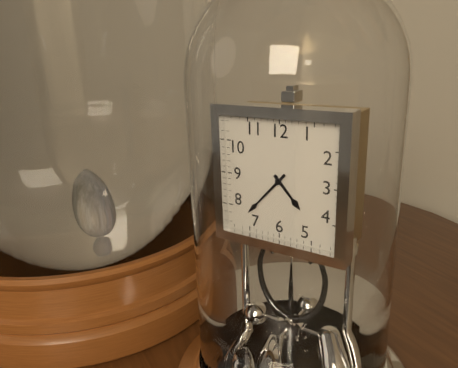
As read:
4:37
